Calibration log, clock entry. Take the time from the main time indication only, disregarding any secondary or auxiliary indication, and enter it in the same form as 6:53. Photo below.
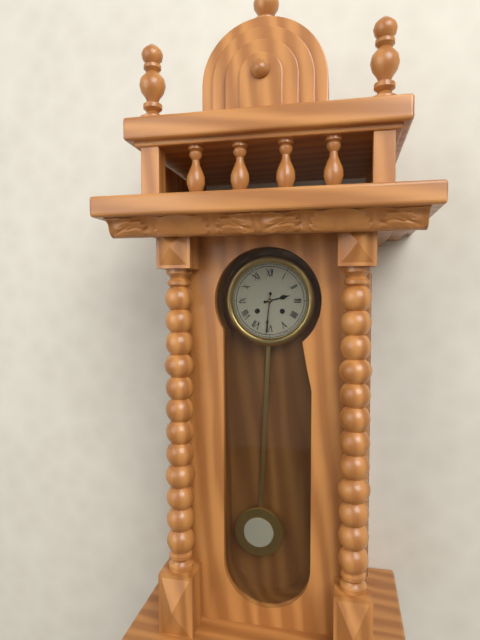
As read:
2:31
